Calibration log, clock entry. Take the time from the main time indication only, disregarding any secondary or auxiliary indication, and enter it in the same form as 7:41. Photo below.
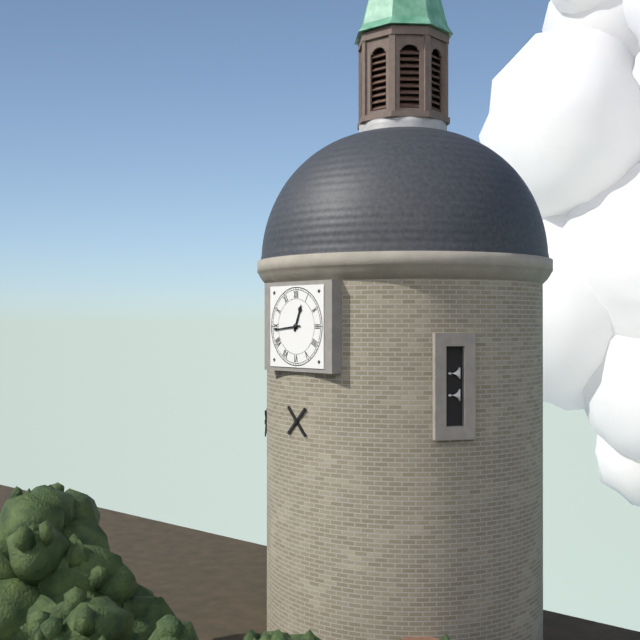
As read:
12:44
